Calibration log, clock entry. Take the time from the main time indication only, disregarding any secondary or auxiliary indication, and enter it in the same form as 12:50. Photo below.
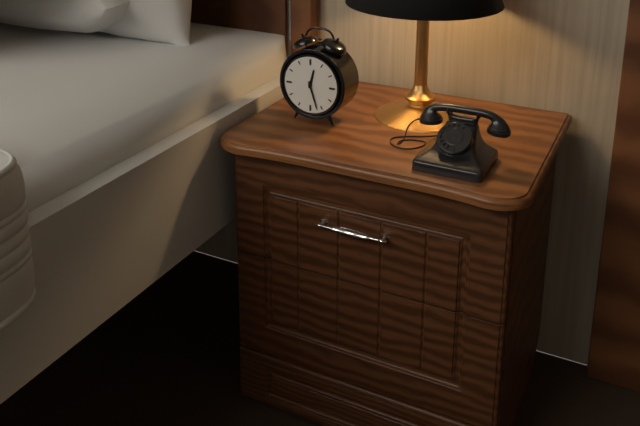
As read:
12:27
